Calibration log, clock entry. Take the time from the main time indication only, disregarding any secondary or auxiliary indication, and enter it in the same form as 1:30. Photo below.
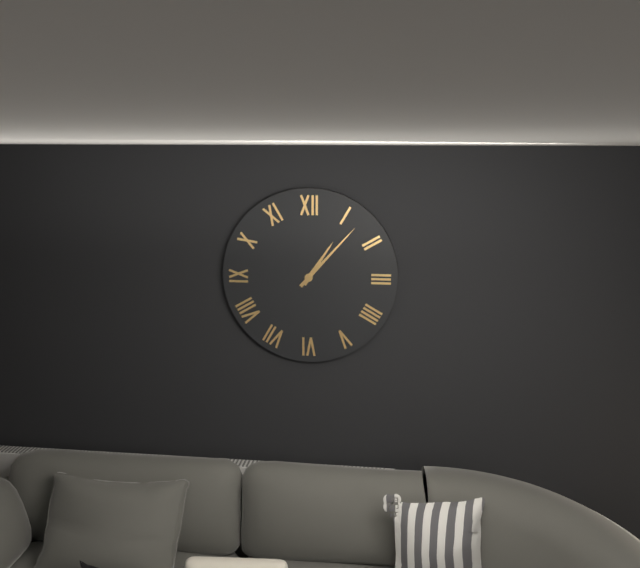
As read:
1:07
